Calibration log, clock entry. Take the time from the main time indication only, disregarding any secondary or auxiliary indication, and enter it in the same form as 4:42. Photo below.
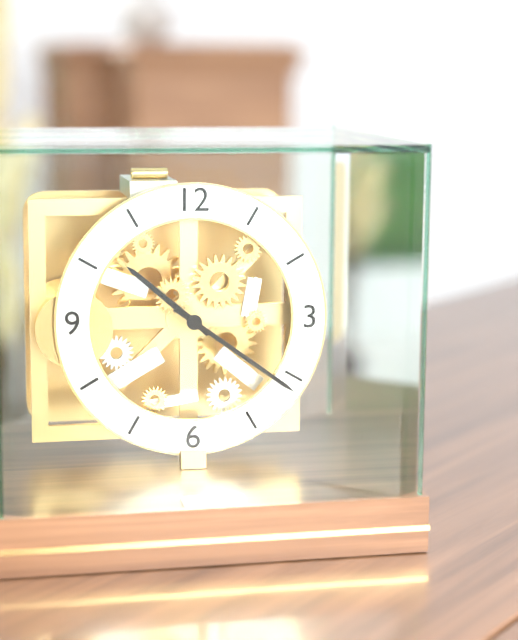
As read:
10:21
